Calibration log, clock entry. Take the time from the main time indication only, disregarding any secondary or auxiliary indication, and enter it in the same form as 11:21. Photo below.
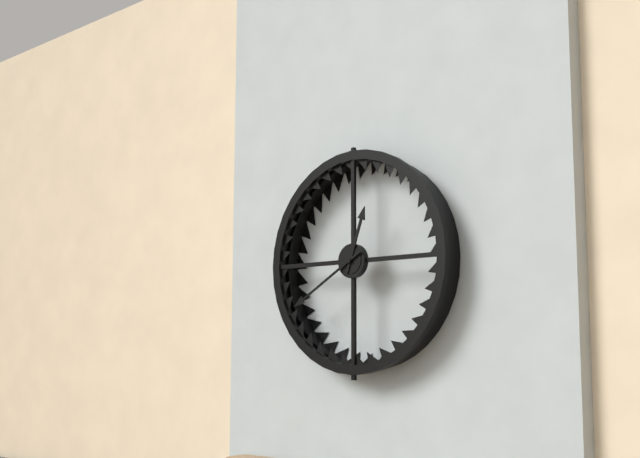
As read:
12:40
